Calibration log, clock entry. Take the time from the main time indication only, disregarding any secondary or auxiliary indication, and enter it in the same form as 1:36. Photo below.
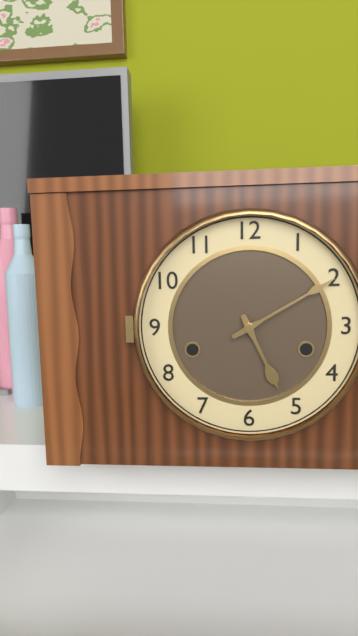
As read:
5:10
